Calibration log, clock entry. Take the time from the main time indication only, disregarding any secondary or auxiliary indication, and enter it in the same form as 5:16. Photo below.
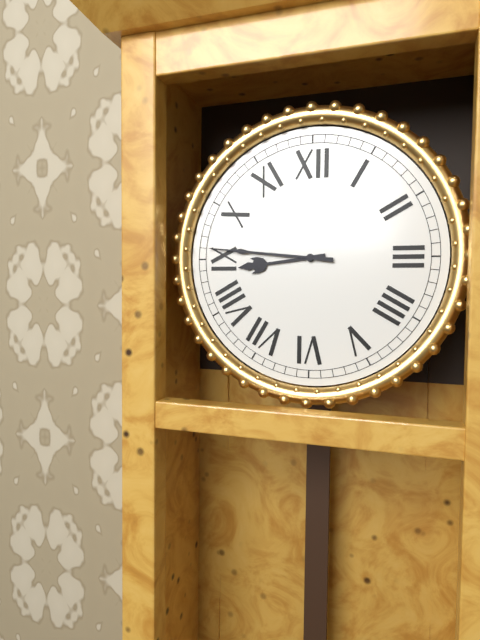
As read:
8:46
